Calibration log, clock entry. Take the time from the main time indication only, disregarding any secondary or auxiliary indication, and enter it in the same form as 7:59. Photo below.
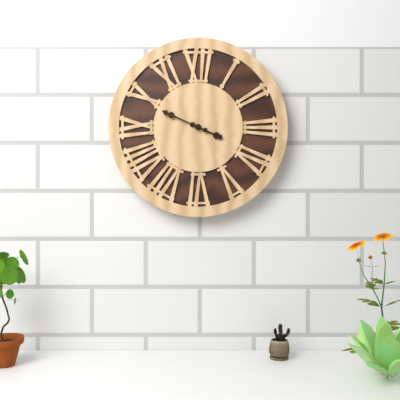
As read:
3:49
